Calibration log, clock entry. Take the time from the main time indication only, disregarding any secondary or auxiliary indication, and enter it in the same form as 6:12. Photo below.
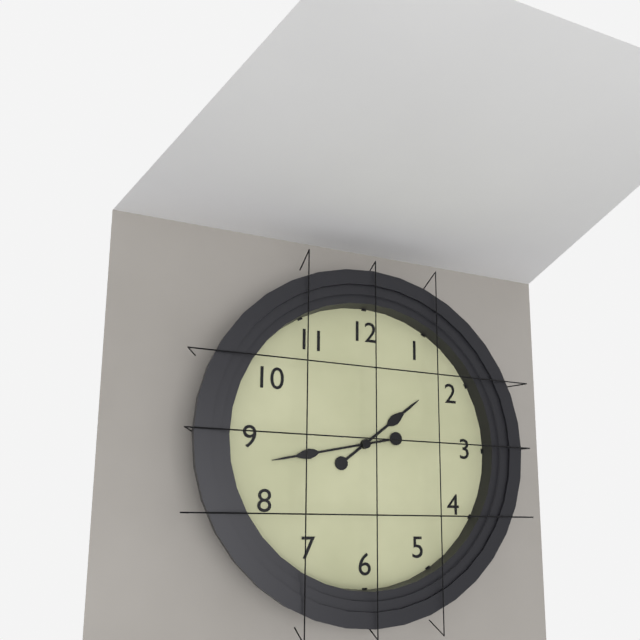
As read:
1:43
